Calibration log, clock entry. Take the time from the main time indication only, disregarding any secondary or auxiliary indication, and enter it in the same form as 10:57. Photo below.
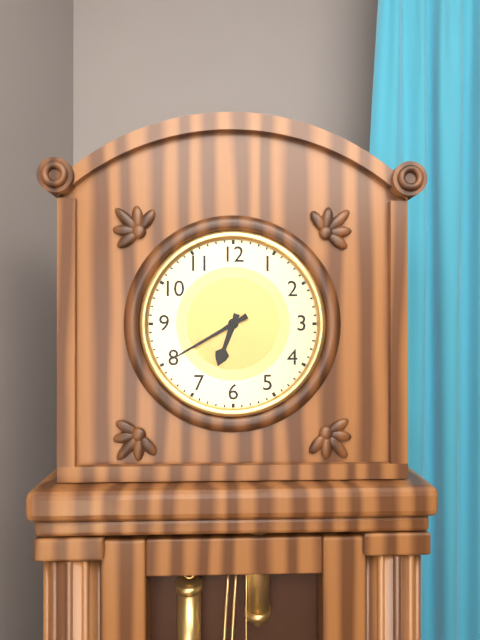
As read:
6:40
